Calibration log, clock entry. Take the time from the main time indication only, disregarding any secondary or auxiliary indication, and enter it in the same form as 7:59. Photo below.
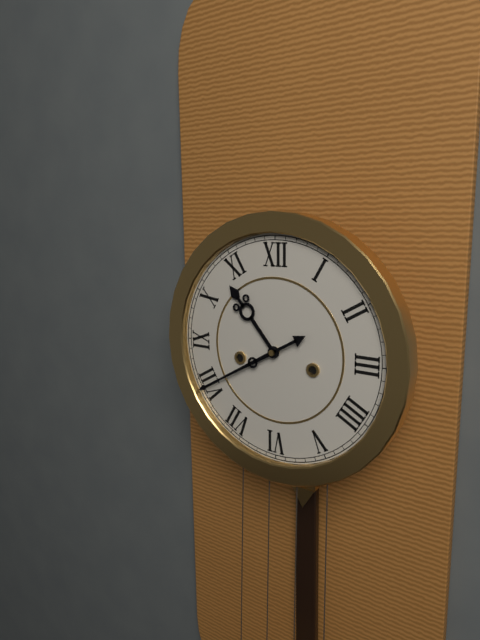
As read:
10:40
